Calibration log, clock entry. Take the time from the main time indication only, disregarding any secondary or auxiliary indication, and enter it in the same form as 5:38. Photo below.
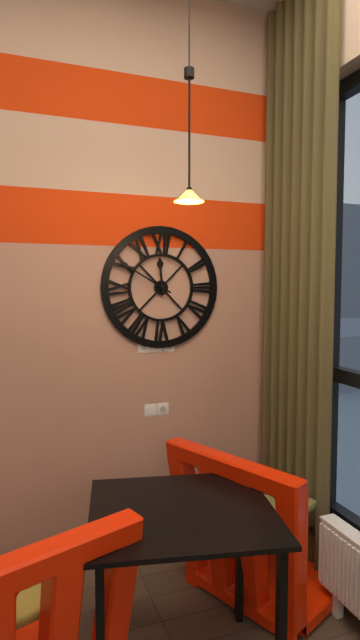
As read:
11:50
